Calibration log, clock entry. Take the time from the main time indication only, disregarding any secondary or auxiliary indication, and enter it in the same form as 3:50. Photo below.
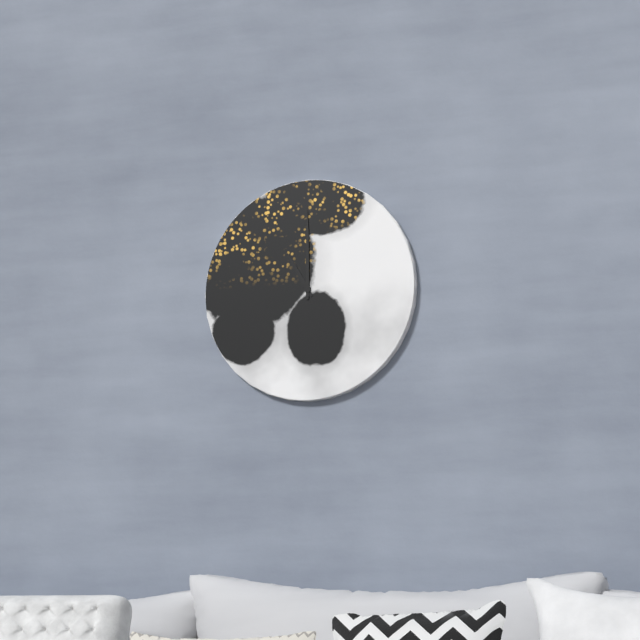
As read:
11:00
